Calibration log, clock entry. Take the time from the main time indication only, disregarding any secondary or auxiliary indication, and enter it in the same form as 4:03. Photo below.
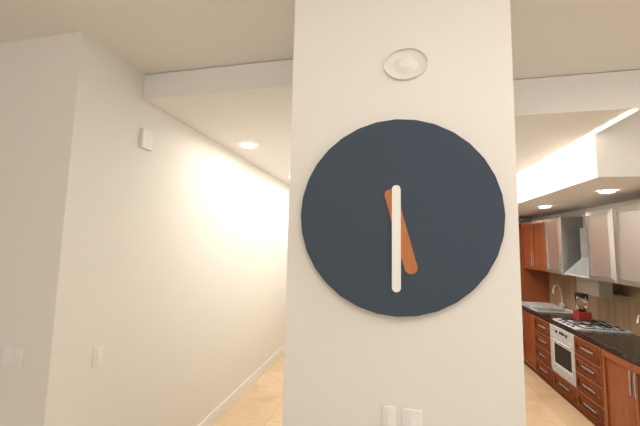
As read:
5:30
